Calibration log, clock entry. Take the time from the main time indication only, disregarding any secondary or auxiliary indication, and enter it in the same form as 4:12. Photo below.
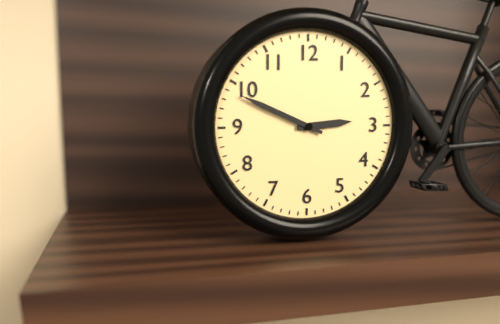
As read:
2:49
